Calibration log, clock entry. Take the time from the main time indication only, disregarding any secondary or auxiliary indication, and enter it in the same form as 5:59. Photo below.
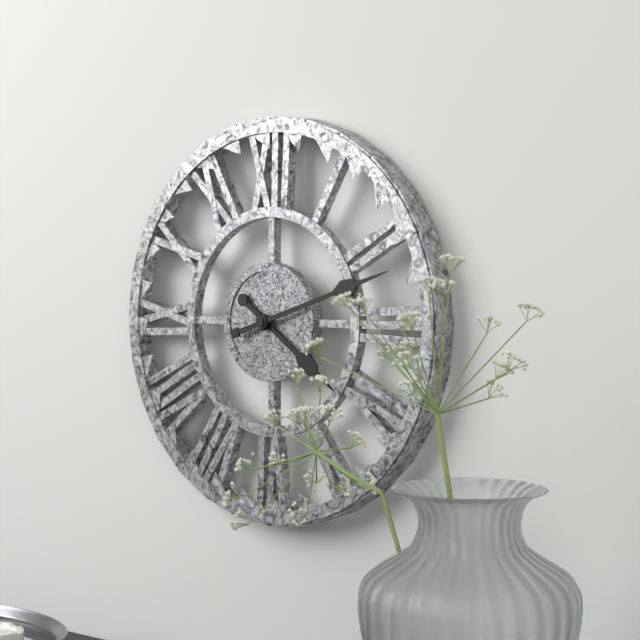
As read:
4:12
